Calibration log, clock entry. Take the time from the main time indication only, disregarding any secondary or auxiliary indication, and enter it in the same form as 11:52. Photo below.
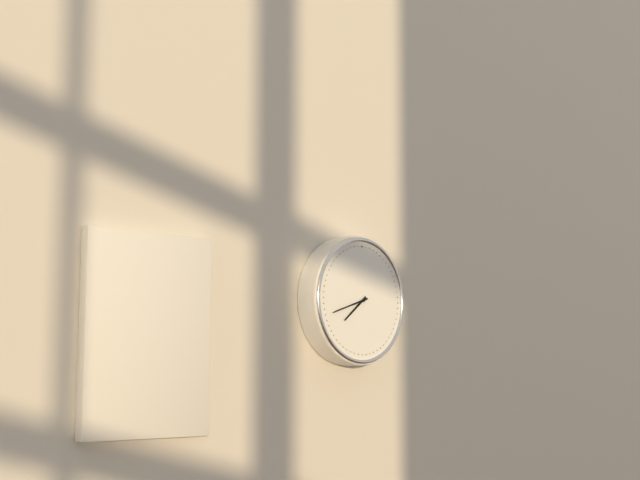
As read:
7:42
